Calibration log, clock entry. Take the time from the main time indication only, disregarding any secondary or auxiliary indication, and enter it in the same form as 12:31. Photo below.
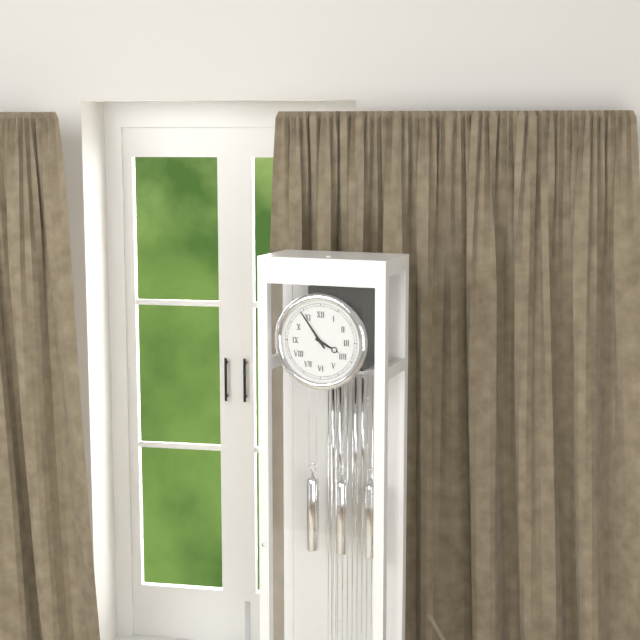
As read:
3:54
